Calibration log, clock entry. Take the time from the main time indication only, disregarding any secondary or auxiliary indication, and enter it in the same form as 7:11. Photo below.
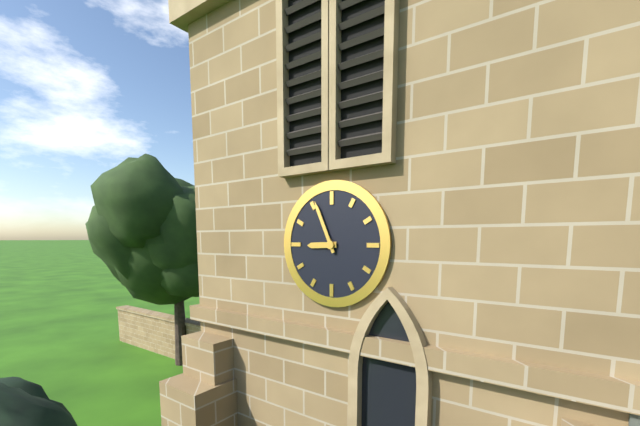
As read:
8:56
